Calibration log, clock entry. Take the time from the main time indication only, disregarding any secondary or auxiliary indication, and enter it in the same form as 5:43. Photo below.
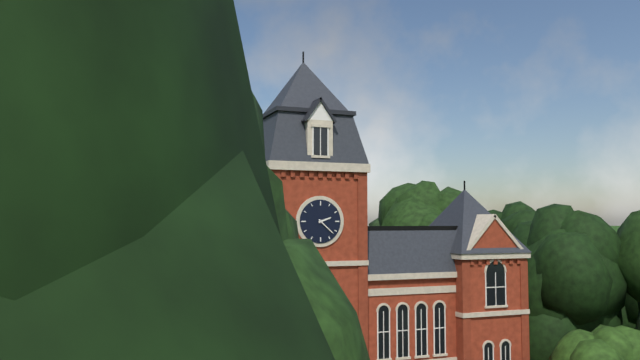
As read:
2:22
